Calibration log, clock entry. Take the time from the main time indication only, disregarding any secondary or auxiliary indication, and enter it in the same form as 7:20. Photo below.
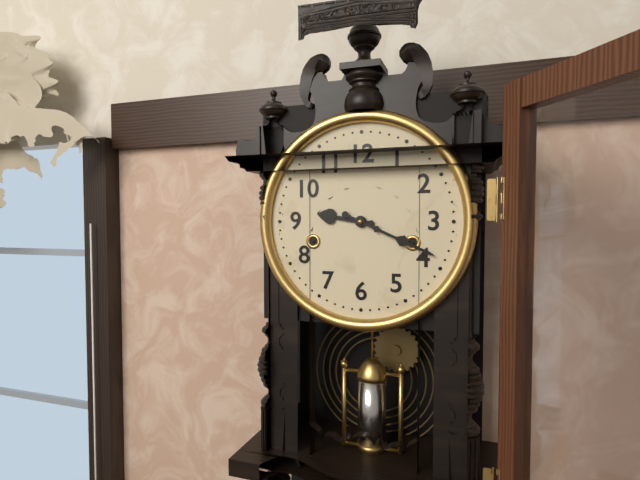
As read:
9:19
